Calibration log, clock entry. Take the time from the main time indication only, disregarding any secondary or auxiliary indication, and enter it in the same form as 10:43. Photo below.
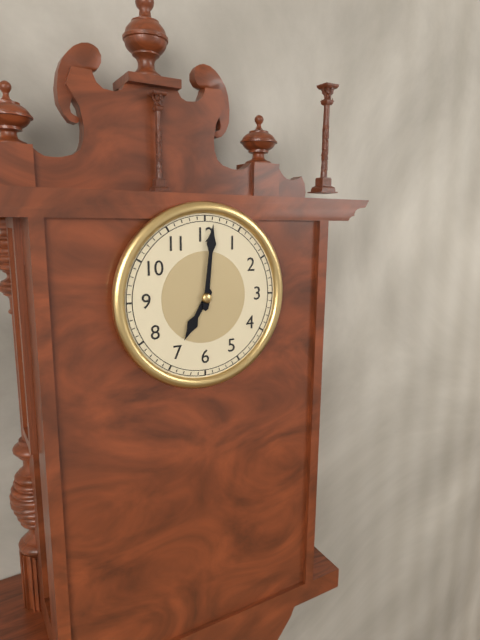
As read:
7:01
